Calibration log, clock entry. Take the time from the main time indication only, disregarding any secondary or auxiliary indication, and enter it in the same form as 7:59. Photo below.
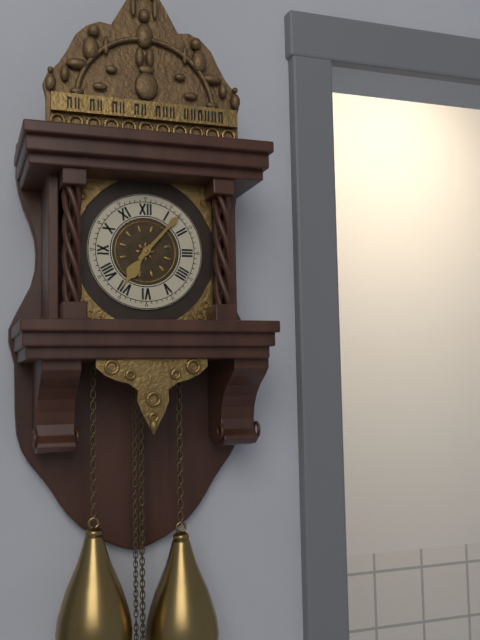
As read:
7:07
